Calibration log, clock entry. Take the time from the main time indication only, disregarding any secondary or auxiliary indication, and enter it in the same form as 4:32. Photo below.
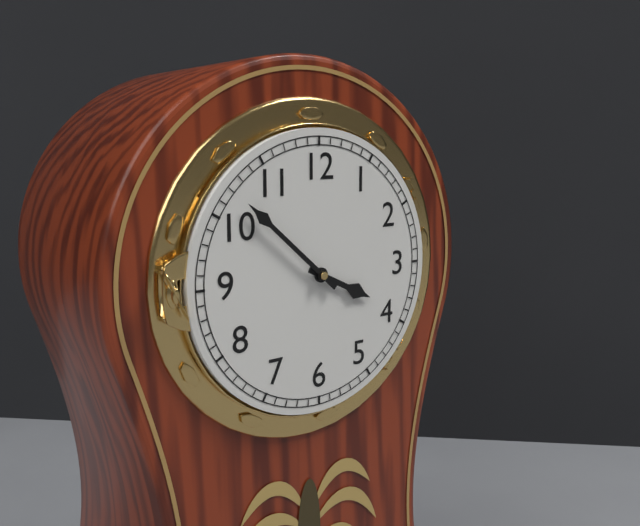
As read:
3:52
